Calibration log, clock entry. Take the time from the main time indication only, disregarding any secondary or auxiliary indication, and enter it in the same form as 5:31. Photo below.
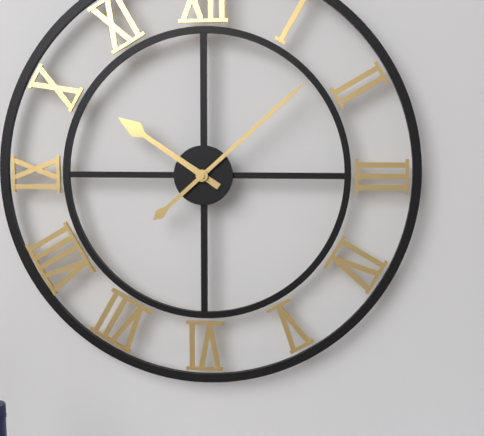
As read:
10:08
